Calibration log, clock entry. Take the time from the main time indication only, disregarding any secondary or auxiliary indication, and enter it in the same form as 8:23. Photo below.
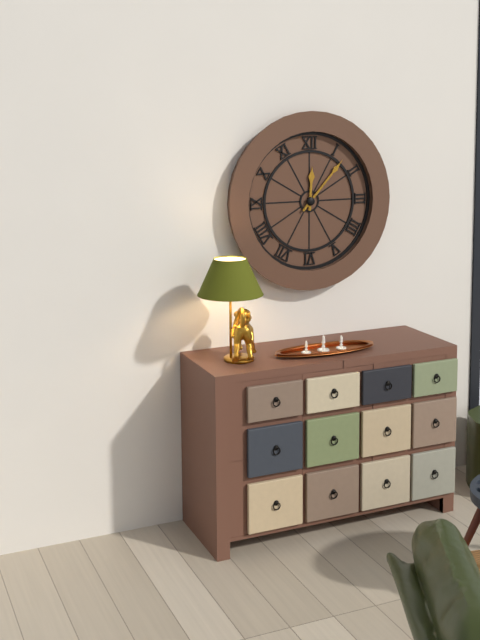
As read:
12:07
